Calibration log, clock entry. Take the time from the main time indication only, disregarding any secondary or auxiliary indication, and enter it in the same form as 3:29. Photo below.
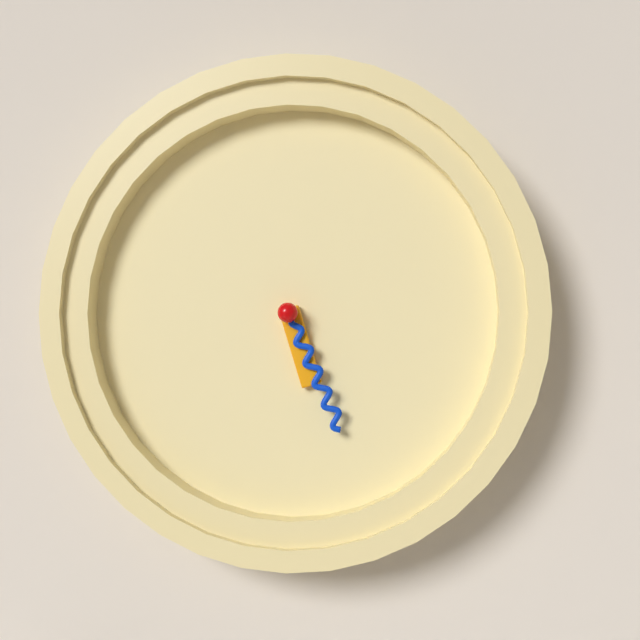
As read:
5:26
